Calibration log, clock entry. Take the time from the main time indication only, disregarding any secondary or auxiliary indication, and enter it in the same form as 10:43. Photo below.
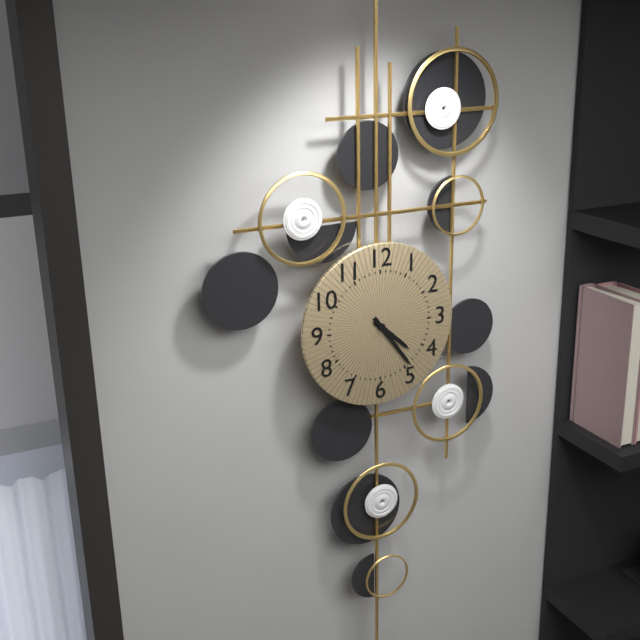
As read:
4:24
